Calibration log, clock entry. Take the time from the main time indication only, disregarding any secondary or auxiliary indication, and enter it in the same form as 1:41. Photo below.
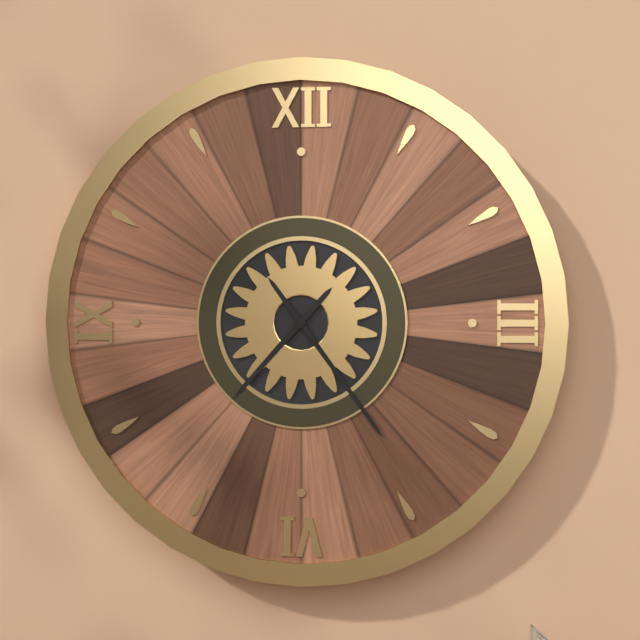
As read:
7:24
